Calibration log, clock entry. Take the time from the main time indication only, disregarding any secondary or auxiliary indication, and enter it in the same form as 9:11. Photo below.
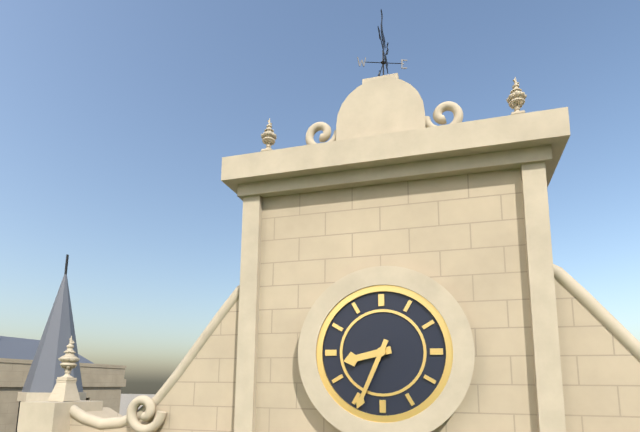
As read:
8:34
